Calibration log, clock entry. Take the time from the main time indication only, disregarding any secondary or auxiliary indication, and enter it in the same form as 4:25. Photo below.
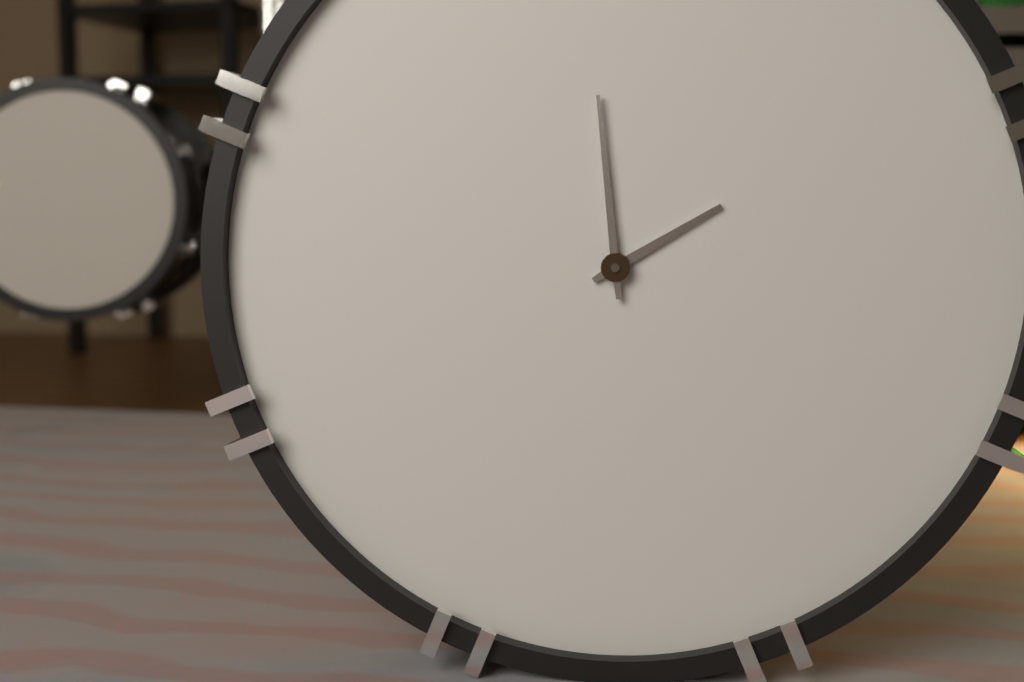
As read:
1:59
